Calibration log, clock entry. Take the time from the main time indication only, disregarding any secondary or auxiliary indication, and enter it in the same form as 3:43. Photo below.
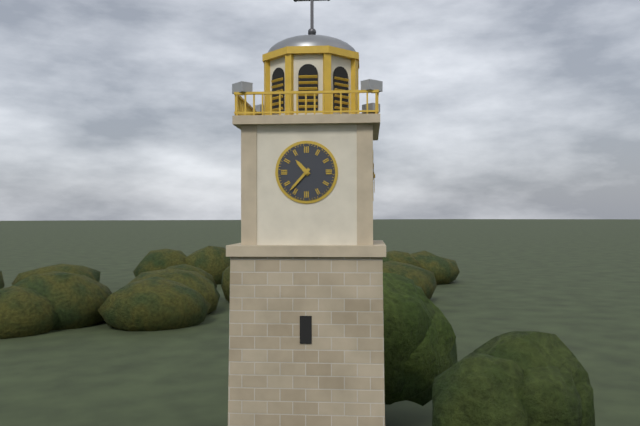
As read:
10:37
